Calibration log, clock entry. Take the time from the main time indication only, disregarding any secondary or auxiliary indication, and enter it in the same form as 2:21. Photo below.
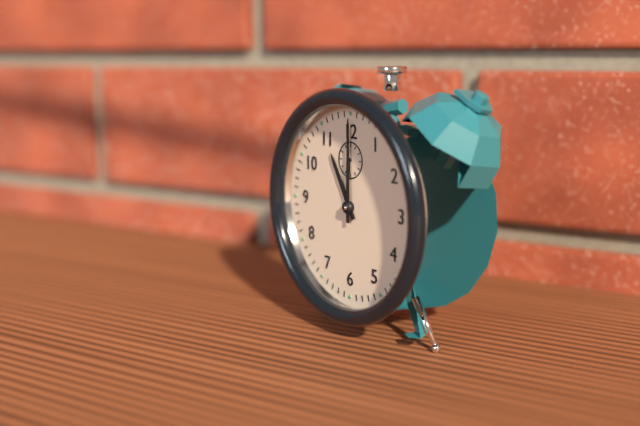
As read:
11:00
